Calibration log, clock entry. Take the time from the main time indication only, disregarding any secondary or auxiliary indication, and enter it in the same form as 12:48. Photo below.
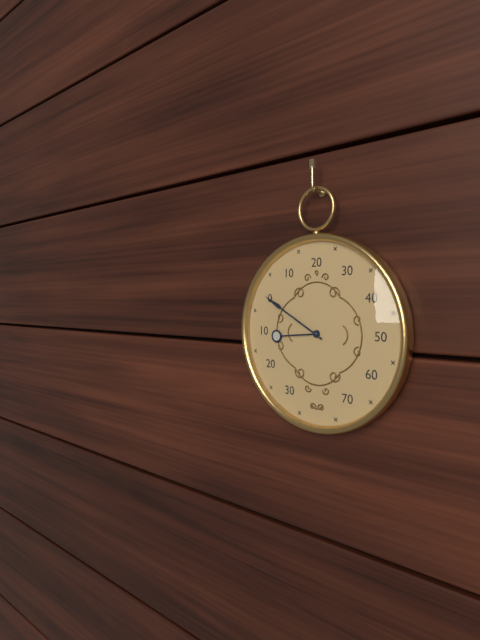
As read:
8:50
